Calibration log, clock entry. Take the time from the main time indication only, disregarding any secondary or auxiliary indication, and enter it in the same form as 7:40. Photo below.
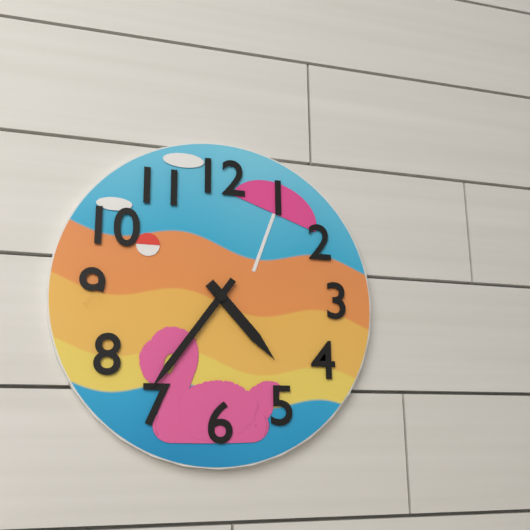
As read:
4:36
